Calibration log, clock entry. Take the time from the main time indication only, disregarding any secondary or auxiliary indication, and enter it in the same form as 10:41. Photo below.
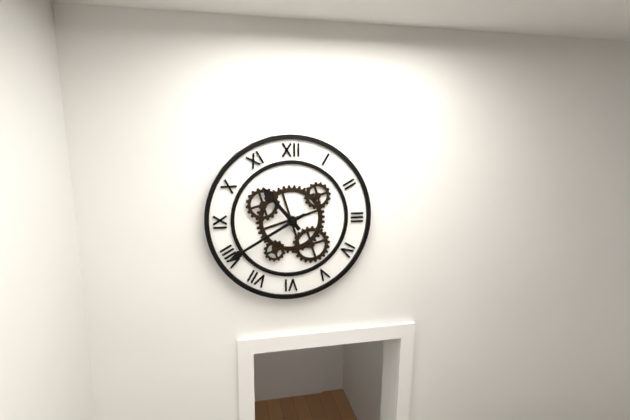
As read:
10:40
